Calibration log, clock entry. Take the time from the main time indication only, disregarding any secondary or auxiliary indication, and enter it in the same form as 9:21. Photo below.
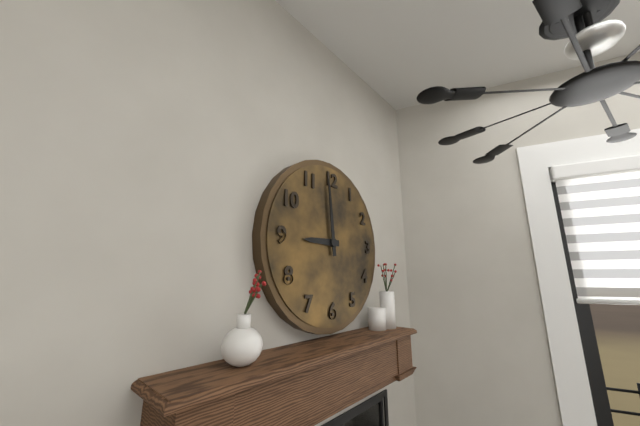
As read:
8:59
